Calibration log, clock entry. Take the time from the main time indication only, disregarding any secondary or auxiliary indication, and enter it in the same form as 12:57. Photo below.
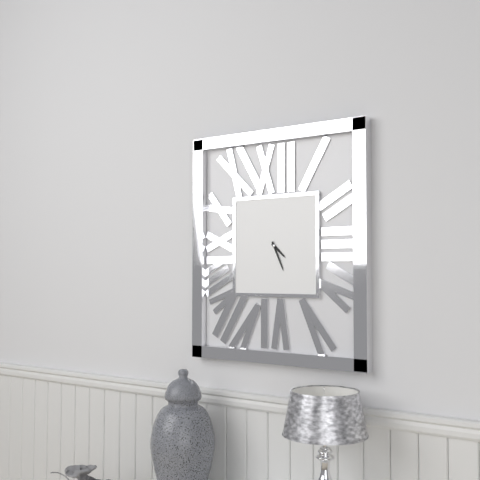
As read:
4:26
